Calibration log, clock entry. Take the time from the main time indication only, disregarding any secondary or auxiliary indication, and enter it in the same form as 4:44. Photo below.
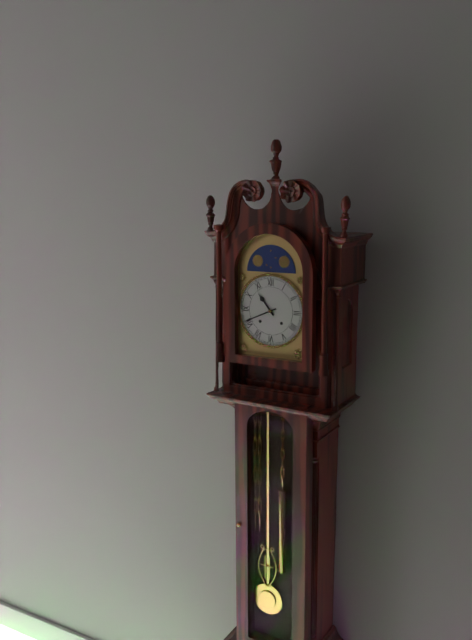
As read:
10:41
